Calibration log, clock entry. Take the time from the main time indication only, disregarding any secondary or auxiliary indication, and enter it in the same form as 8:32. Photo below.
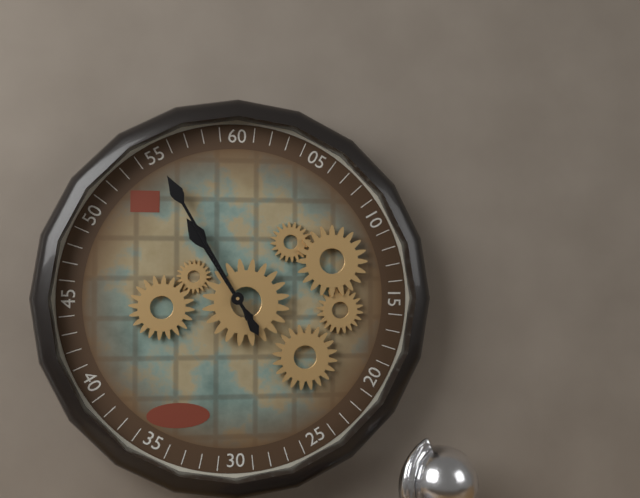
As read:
10:55
